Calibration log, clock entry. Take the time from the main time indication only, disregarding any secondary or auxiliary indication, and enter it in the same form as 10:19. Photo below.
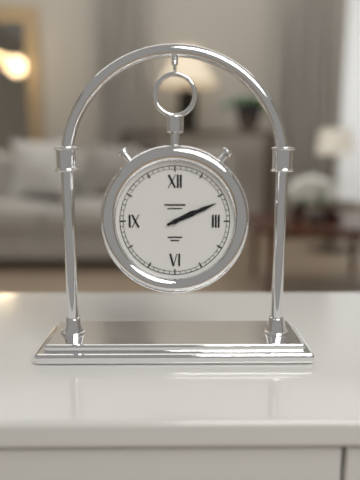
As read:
2:11
